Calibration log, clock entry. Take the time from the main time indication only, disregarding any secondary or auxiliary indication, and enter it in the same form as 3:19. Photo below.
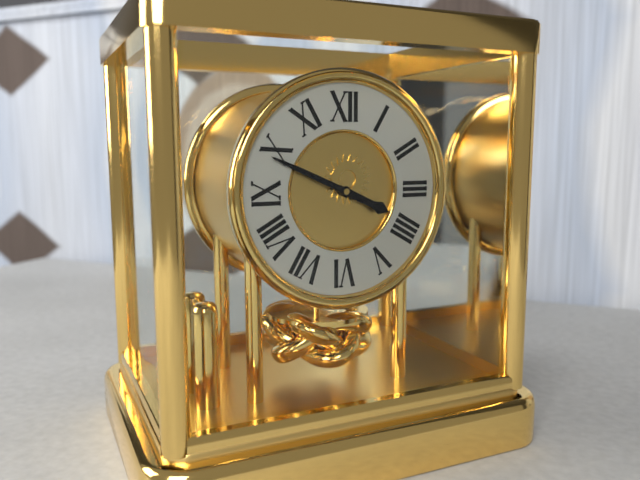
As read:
3:49
